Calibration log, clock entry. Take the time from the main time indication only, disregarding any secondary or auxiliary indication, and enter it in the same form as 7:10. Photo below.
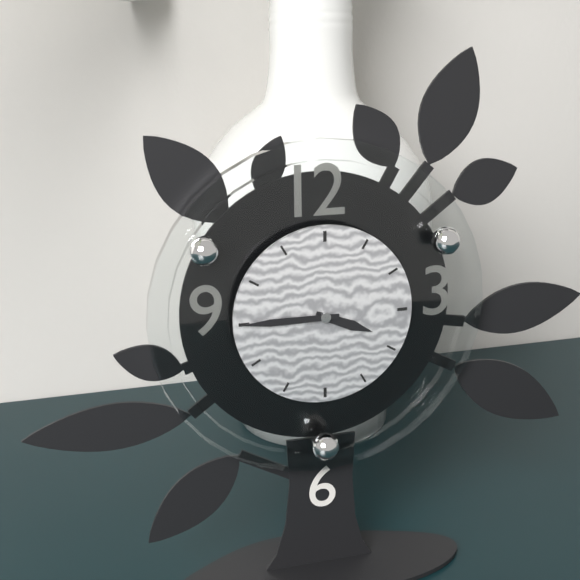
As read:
3:45
